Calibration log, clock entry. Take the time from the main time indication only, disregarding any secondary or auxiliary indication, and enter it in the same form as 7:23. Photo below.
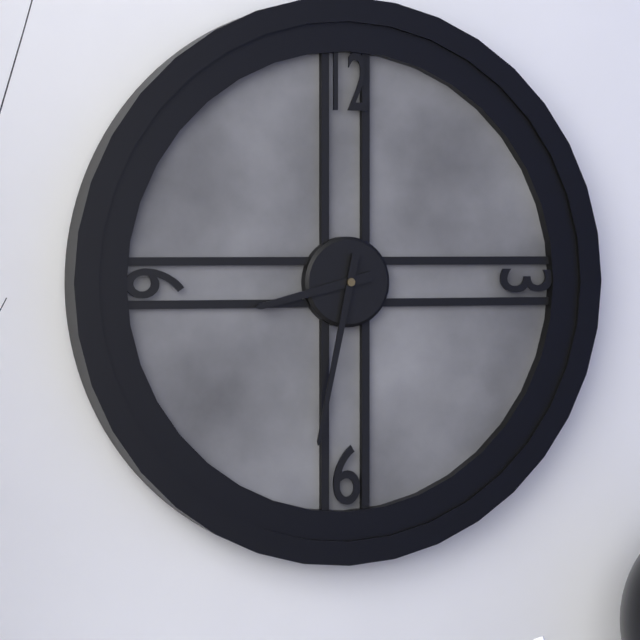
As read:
8:32
